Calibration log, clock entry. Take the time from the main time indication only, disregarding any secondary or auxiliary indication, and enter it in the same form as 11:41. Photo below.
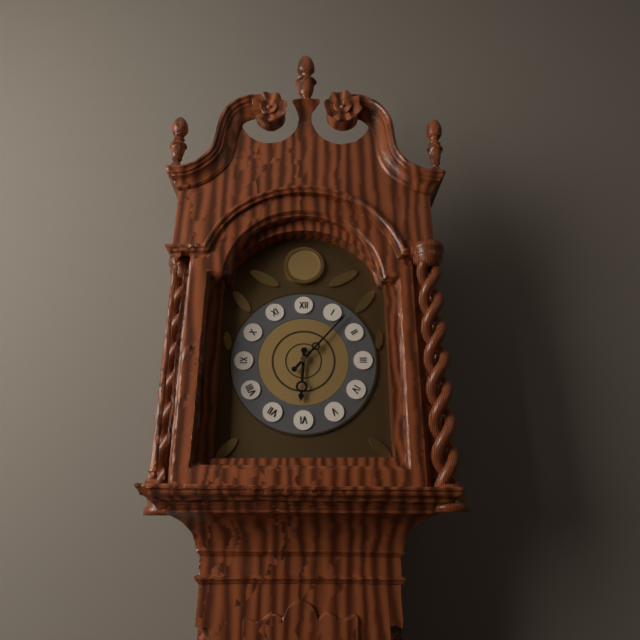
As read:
6:07
